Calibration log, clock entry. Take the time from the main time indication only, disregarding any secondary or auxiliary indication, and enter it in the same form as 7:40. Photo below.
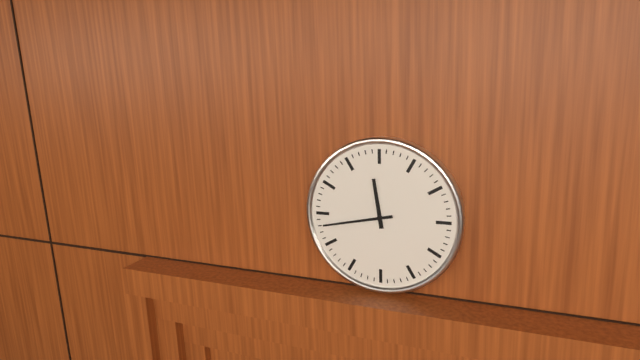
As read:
11:43
